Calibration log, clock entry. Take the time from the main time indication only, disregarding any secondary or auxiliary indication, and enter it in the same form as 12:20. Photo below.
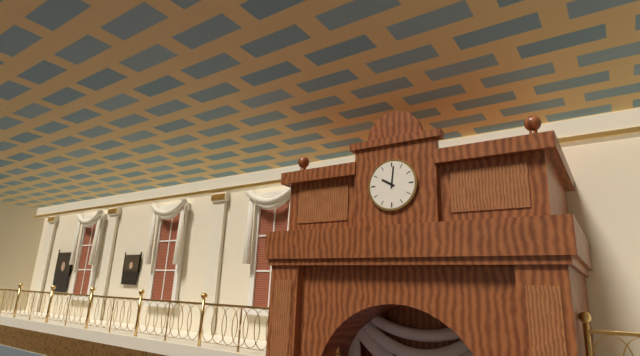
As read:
10:01
